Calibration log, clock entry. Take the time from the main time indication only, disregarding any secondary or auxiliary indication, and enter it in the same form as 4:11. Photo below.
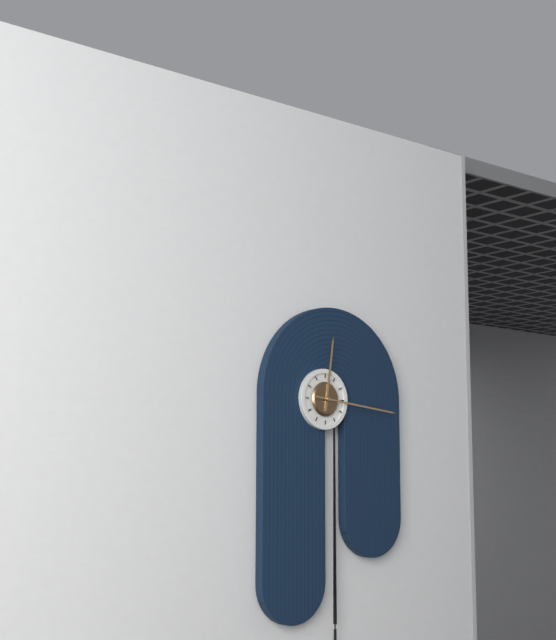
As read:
12:16
